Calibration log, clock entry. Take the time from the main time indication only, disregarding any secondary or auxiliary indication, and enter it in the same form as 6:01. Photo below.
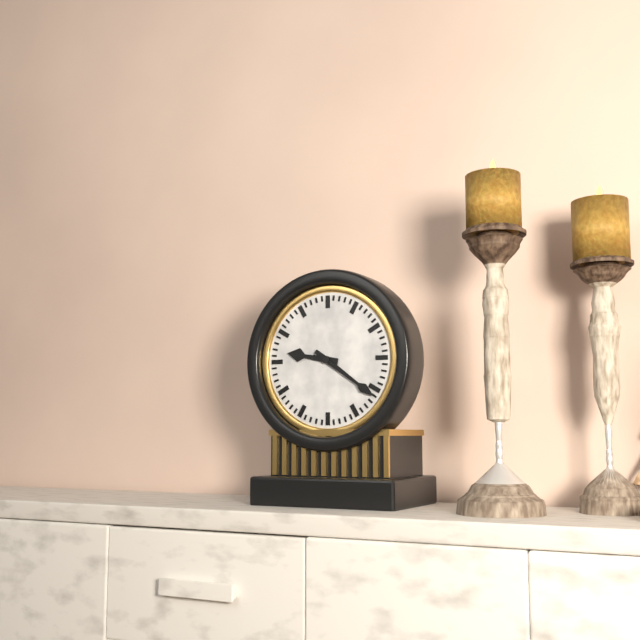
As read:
9:21
